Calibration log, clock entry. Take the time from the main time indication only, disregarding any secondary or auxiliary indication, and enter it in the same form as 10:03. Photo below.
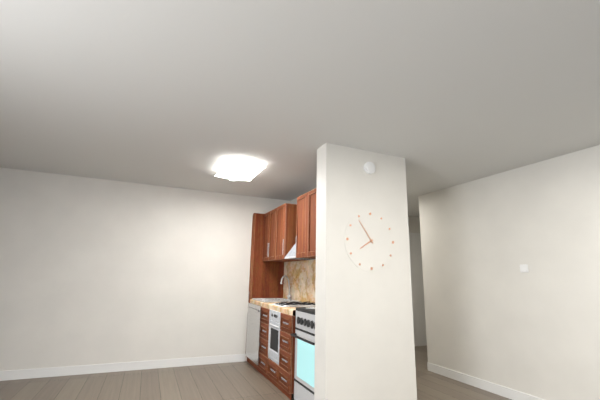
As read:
7:54
